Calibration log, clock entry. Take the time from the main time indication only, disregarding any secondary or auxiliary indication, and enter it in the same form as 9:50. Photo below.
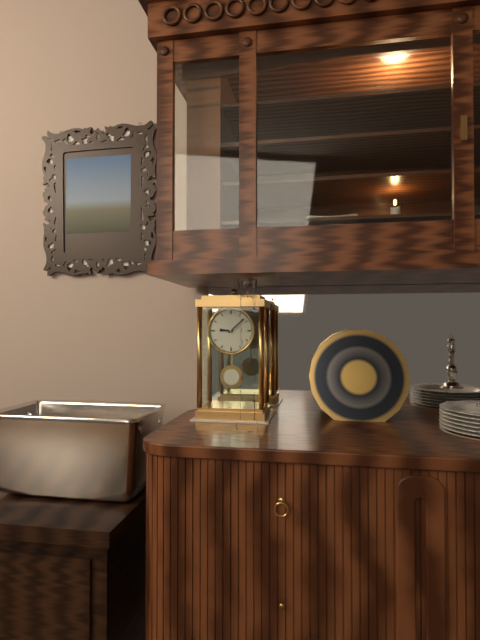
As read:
9:08
